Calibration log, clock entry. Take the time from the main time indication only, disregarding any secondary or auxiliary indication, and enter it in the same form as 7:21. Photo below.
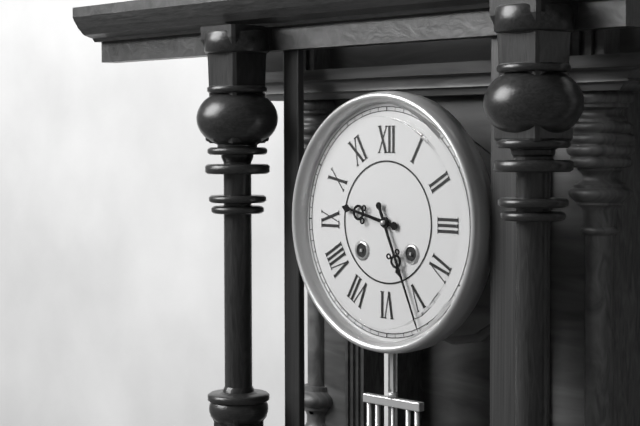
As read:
9:26
